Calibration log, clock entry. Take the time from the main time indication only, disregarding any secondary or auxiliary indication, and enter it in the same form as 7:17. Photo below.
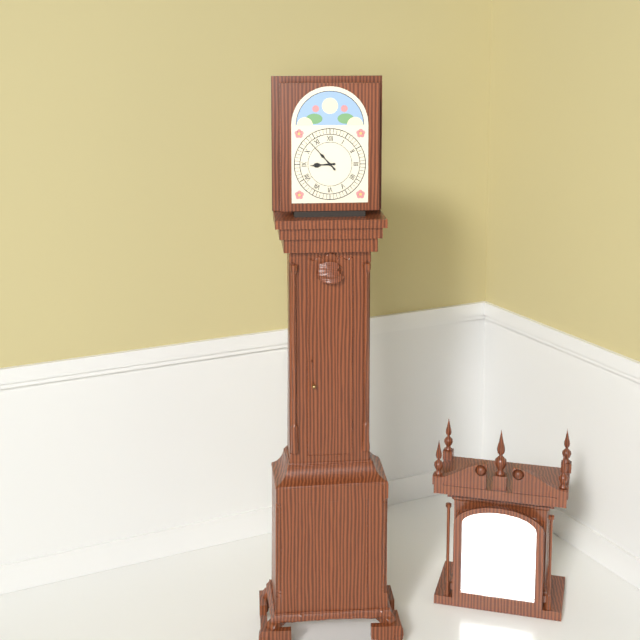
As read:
8:53
